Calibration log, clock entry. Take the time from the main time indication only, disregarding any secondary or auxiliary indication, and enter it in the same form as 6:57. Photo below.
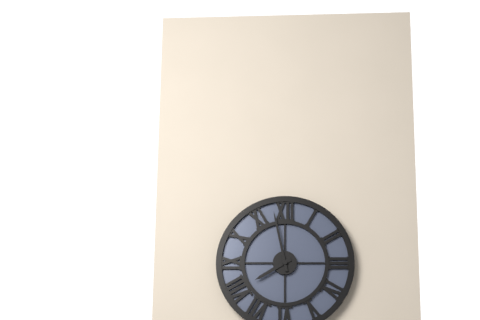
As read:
7:58
